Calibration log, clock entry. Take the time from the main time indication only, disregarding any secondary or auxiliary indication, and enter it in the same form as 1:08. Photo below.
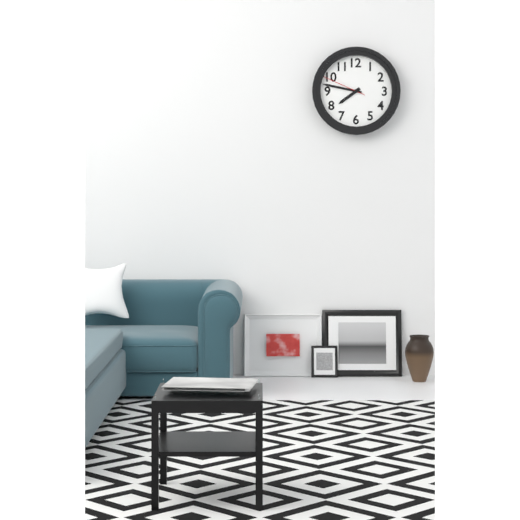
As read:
7:47
